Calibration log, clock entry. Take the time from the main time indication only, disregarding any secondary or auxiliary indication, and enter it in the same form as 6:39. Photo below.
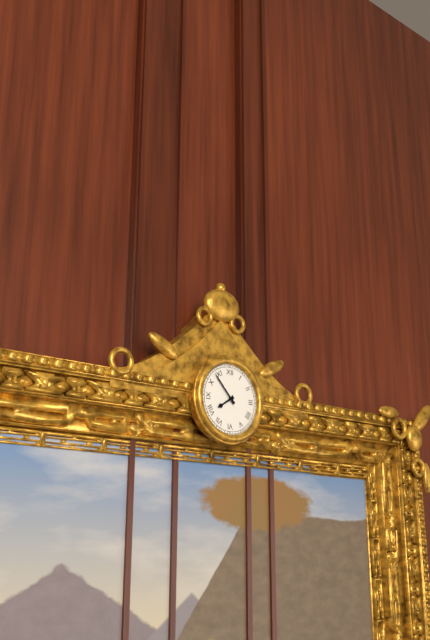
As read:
7:53
